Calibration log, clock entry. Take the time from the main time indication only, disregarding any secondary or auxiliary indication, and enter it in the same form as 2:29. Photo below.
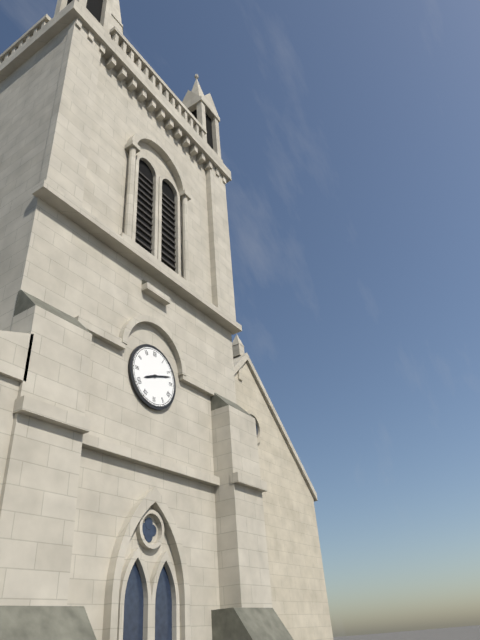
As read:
8:12
